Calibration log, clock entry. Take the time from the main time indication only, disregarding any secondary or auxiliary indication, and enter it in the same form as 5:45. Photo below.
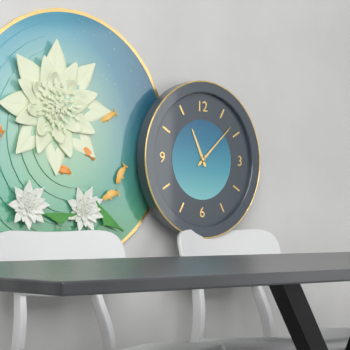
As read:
11:08
